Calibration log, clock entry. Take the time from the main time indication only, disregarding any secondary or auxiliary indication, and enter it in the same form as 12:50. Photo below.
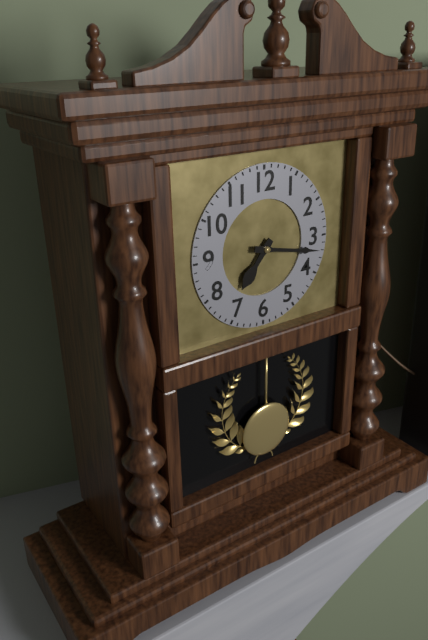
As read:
7:17
